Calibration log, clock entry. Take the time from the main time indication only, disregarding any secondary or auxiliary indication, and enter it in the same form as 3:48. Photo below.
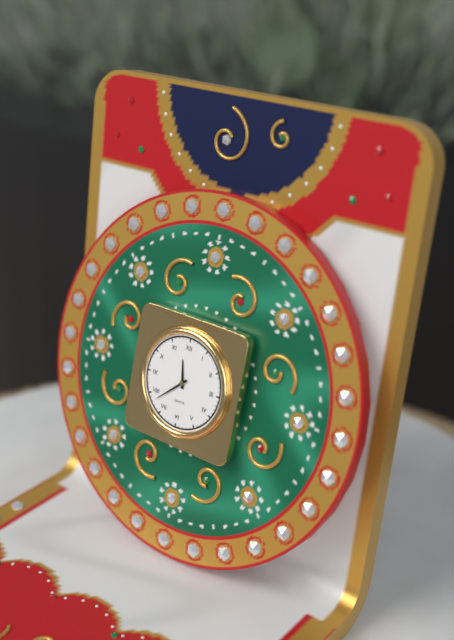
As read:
11:38
